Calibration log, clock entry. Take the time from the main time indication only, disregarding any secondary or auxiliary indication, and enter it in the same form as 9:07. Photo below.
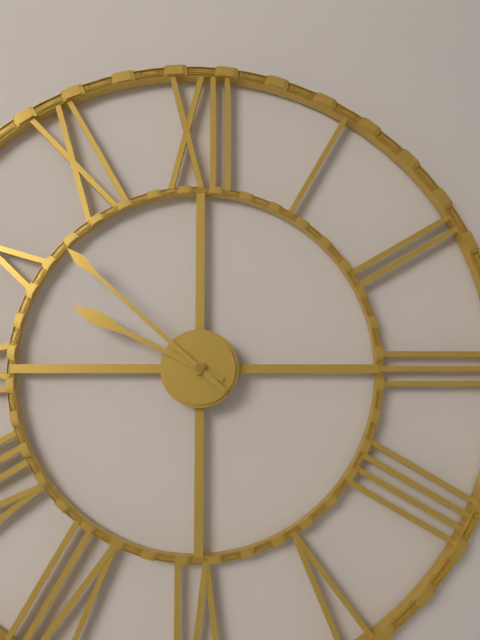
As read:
9:52
